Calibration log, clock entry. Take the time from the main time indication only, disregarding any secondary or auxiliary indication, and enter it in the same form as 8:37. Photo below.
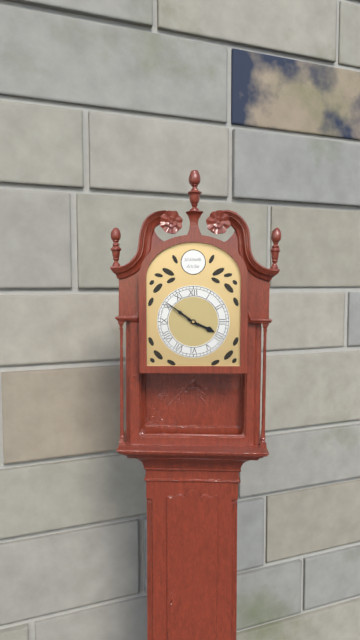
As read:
3:51
